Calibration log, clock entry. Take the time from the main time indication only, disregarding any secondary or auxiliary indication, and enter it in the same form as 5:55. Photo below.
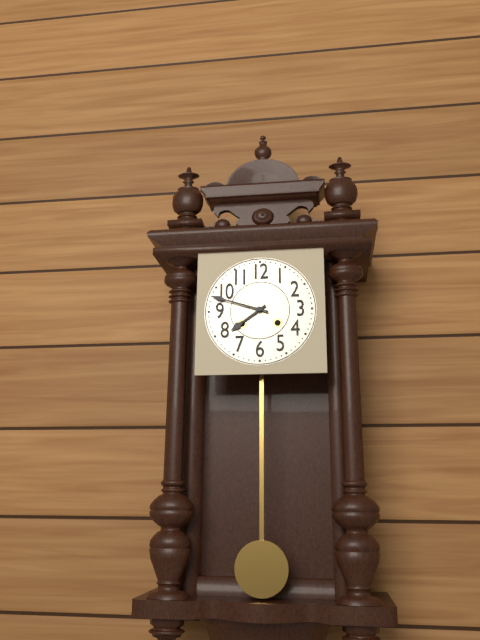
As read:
7:48
